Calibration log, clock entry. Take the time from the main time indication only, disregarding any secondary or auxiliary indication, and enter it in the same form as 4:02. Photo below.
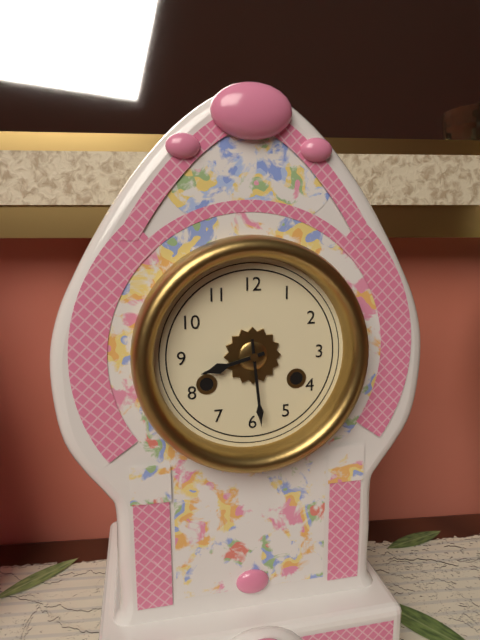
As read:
8:29
